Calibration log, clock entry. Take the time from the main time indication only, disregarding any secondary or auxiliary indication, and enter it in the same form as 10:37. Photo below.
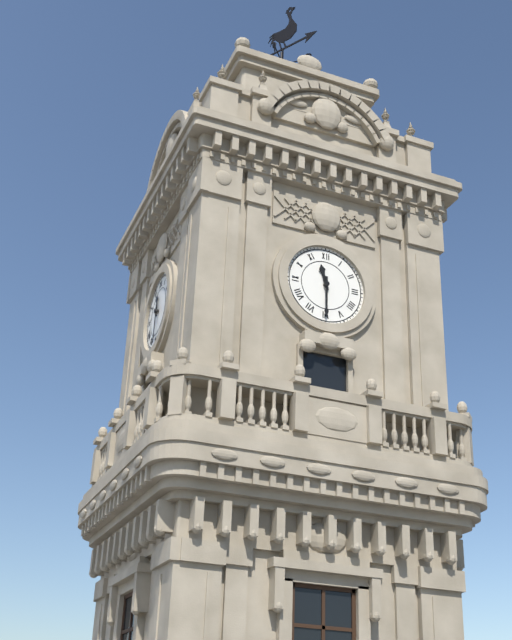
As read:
11:30
